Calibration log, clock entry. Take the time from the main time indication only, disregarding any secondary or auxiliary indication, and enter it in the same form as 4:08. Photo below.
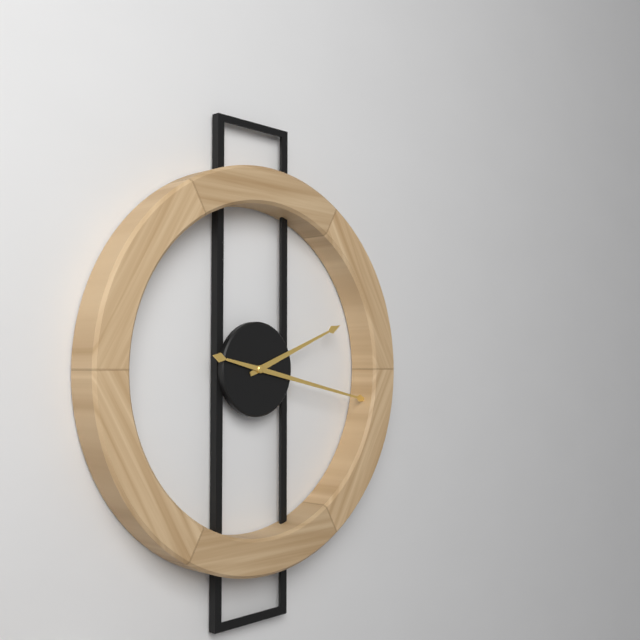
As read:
2:17
